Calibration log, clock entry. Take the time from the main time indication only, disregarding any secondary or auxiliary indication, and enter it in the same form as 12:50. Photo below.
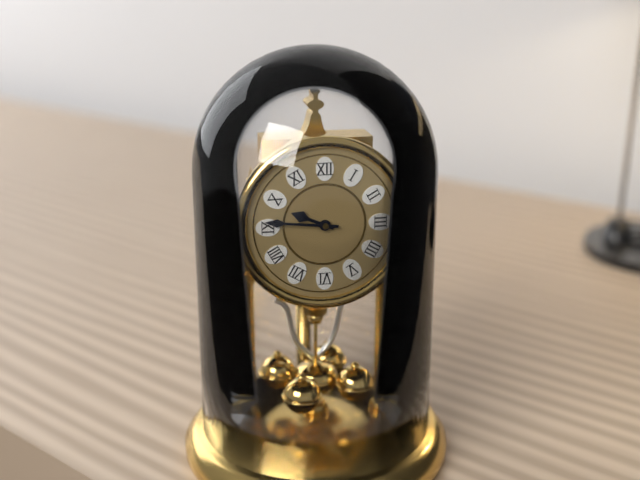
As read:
9:46
